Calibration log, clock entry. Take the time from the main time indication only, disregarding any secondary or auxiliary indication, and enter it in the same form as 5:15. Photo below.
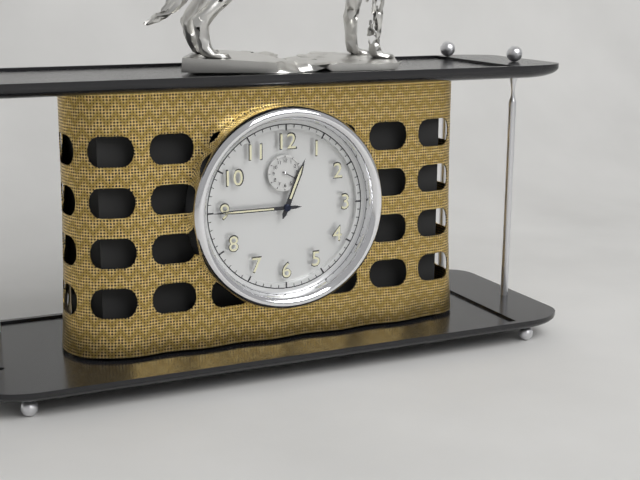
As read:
12:45
